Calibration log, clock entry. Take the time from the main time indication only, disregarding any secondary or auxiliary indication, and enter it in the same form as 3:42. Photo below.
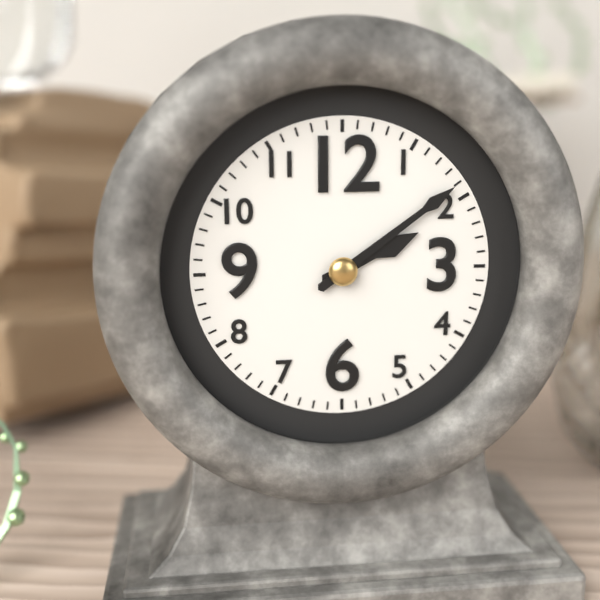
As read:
2:09
